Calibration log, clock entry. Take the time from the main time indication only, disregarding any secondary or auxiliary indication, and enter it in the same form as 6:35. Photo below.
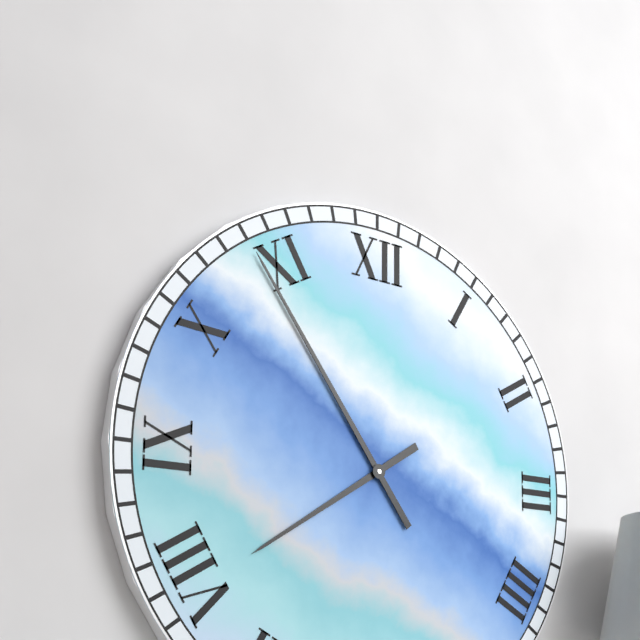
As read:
7:54
